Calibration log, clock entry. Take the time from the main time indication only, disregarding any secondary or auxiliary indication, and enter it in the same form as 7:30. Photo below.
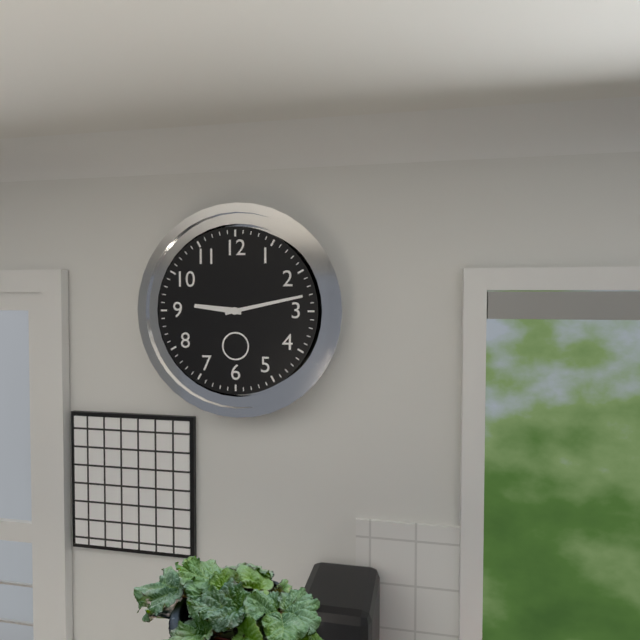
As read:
9:13
